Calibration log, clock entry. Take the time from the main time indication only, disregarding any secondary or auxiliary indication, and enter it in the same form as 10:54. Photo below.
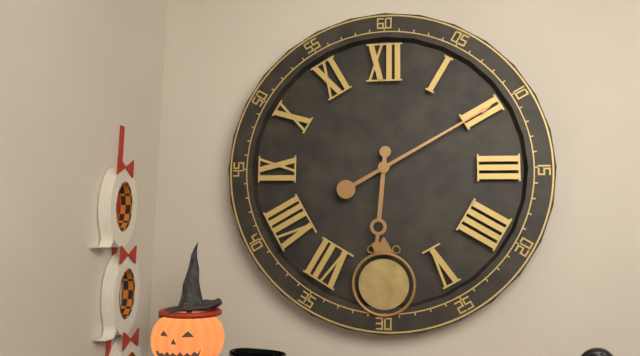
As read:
6:10
